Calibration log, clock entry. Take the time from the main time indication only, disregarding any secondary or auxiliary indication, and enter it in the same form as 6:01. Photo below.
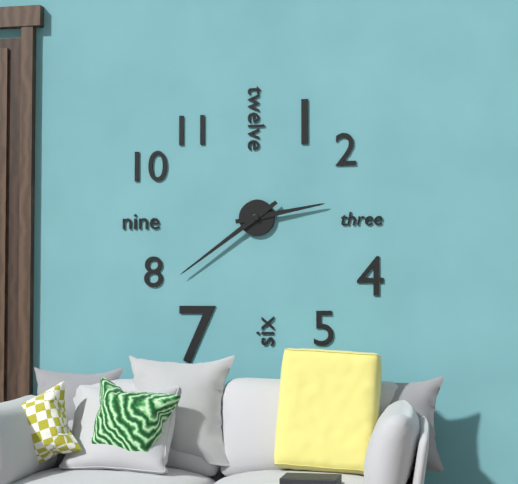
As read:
2:39
